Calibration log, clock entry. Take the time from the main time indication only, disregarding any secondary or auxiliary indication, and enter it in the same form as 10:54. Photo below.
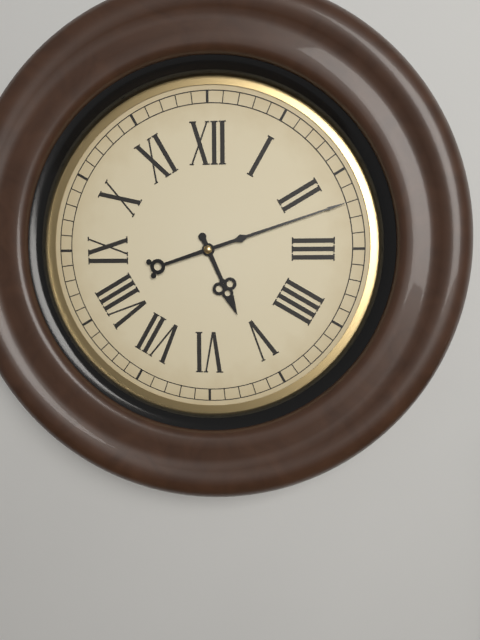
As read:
5:12
